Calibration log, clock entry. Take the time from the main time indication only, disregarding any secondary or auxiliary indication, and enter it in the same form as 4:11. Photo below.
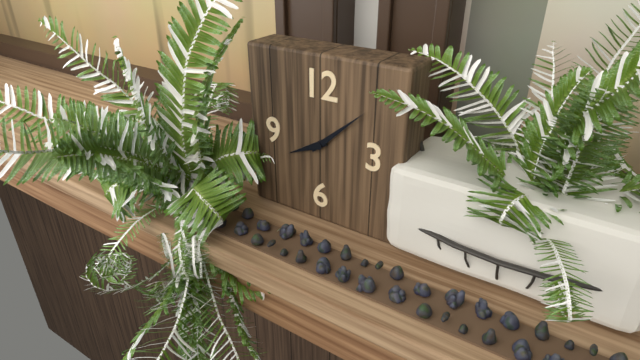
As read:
8:08
